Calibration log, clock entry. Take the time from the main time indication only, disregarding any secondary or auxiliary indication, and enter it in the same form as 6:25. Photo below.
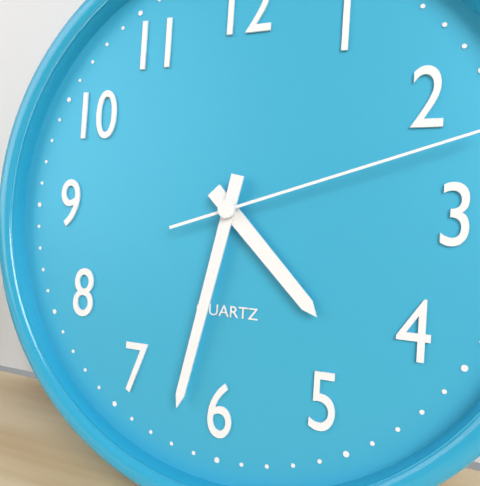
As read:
4:32
